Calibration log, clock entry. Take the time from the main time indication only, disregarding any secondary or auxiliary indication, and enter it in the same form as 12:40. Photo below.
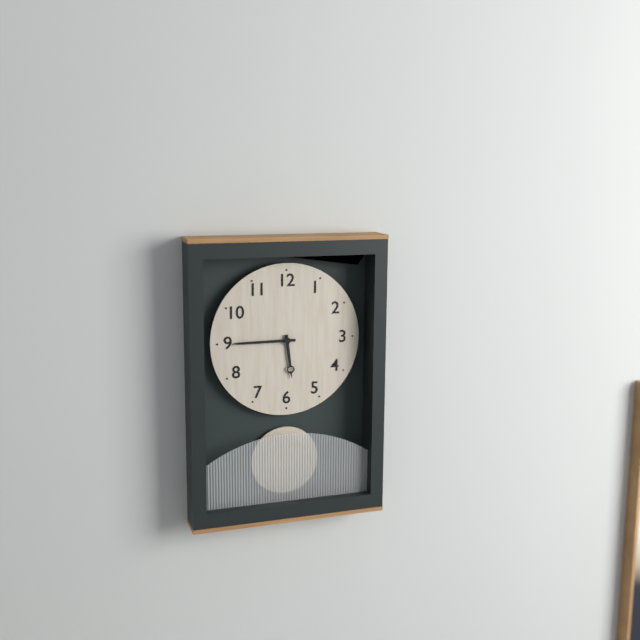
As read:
5:45
